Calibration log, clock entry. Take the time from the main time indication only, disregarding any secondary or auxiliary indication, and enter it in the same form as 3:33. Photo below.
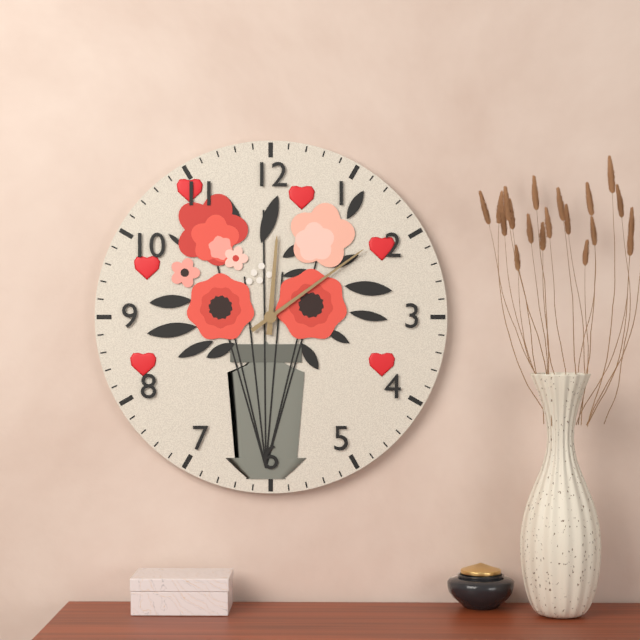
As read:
12:09
